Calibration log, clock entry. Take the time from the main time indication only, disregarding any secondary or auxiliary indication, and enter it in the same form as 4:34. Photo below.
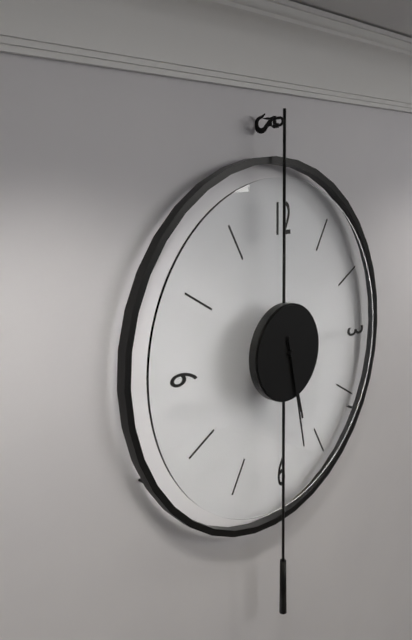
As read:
5:28
